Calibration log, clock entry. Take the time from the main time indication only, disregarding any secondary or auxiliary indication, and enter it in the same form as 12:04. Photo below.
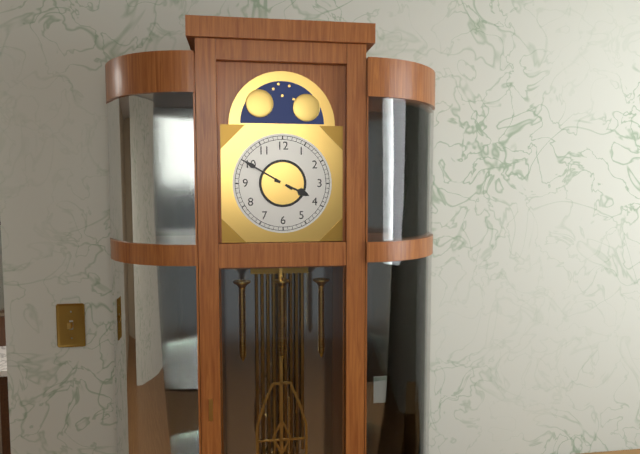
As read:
3:50
